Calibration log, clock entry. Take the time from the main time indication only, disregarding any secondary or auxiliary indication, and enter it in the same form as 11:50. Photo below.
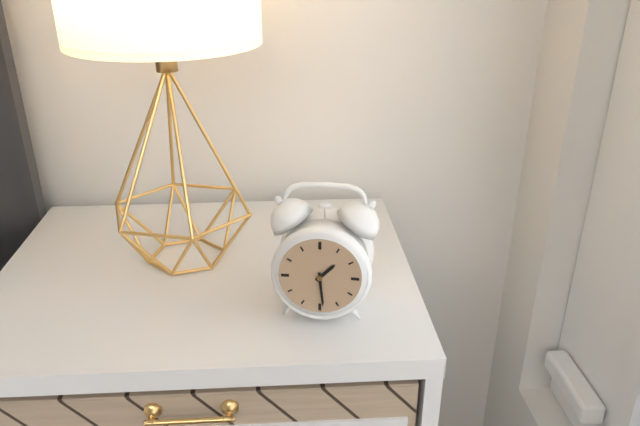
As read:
1:29
